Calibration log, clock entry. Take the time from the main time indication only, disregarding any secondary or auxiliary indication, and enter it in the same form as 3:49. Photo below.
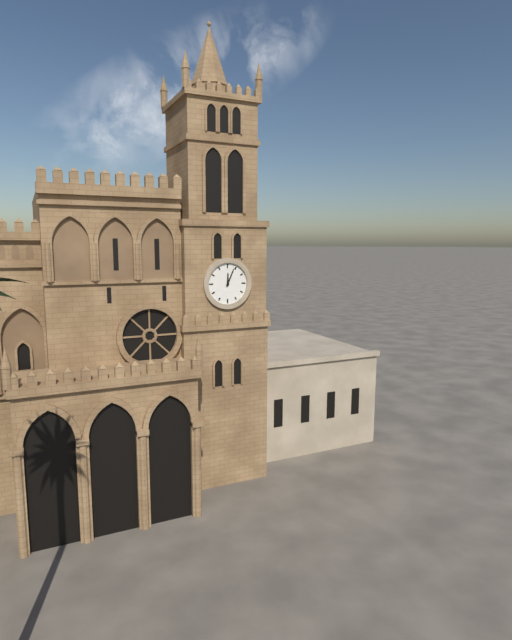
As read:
12:04
